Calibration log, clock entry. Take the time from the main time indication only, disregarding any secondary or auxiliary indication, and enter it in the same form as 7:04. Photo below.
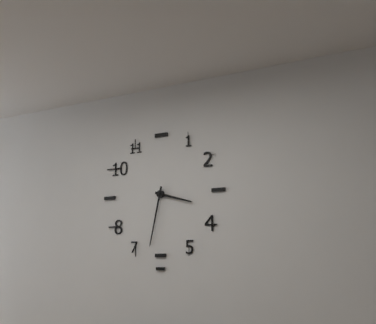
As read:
3:32
